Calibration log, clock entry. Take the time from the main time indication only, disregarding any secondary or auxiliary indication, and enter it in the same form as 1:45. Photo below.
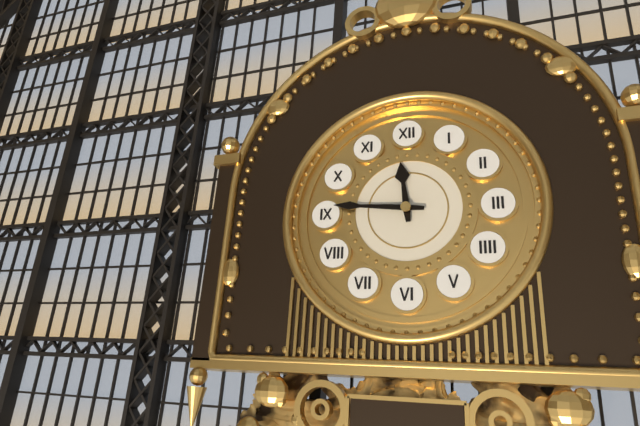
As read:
11:46
